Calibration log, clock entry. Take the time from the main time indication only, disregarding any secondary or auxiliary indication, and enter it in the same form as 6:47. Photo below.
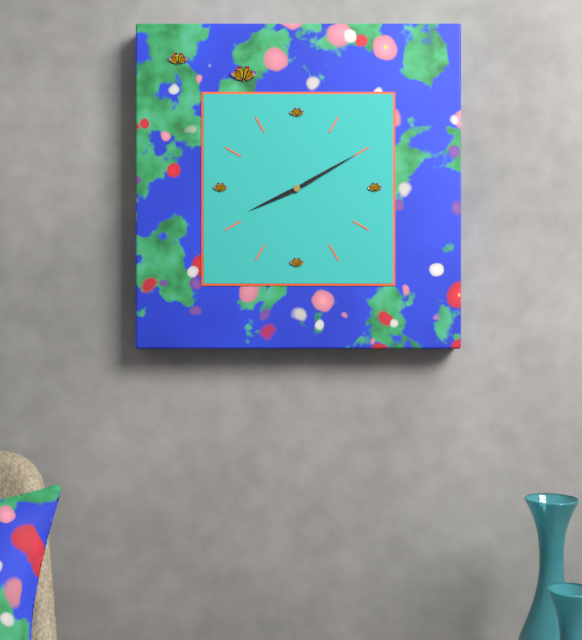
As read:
8:10
